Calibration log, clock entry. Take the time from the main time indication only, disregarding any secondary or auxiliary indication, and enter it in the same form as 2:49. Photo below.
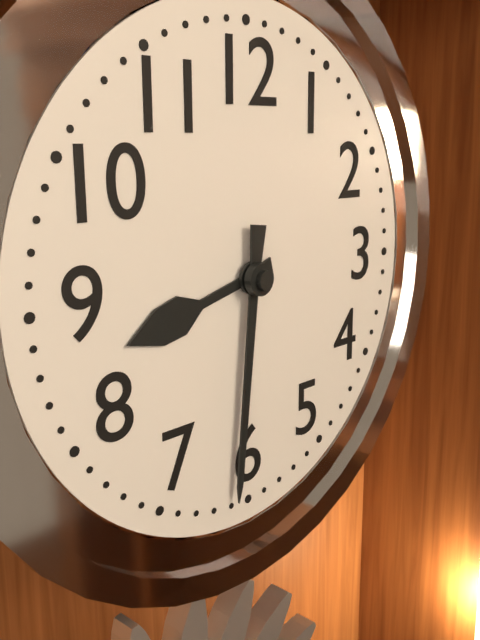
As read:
8:31
